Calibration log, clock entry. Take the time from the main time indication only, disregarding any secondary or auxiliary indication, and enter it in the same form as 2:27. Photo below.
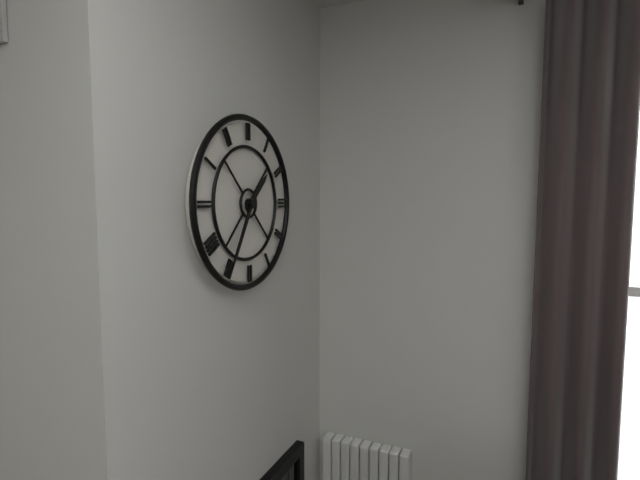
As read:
1:35
